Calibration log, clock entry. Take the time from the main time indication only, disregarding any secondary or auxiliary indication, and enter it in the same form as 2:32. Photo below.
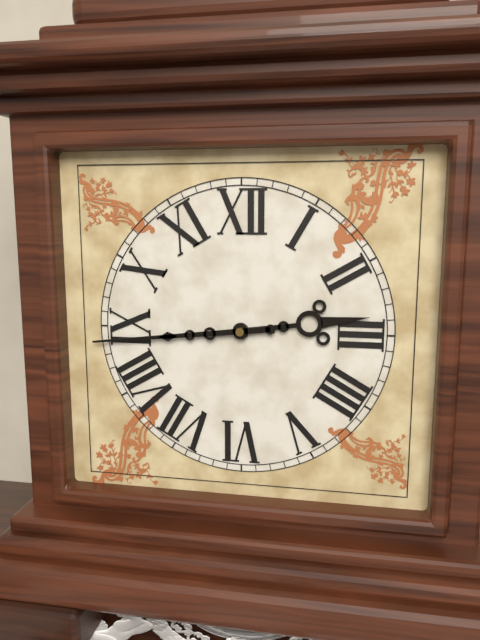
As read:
2:44
